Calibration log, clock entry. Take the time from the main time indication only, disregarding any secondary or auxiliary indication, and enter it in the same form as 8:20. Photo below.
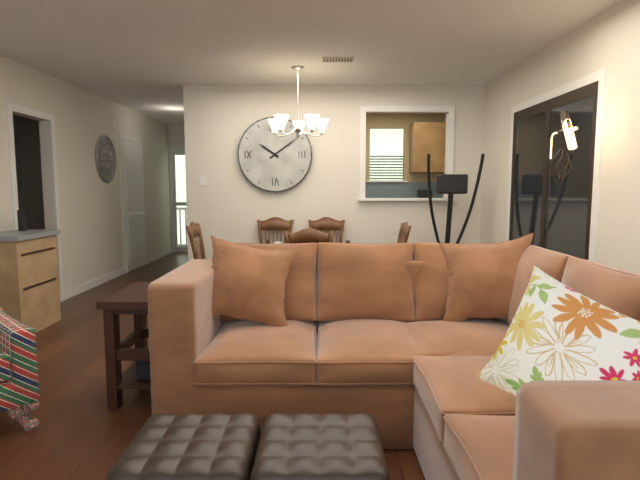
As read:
10:09
